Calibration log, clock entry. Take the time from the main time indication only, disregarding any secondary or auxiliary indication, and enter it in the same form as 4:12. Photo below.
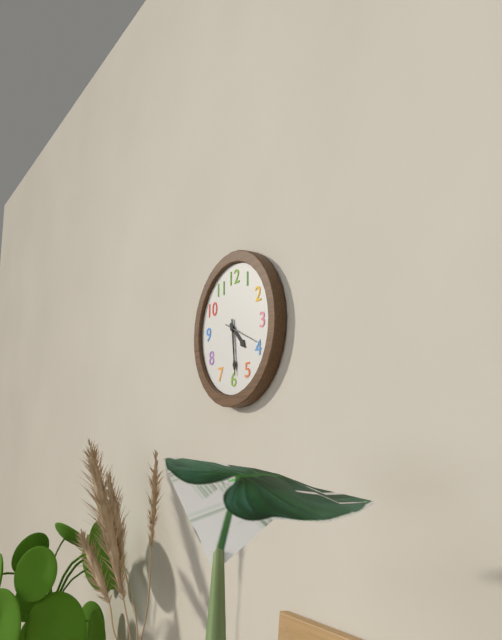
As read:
4:29
